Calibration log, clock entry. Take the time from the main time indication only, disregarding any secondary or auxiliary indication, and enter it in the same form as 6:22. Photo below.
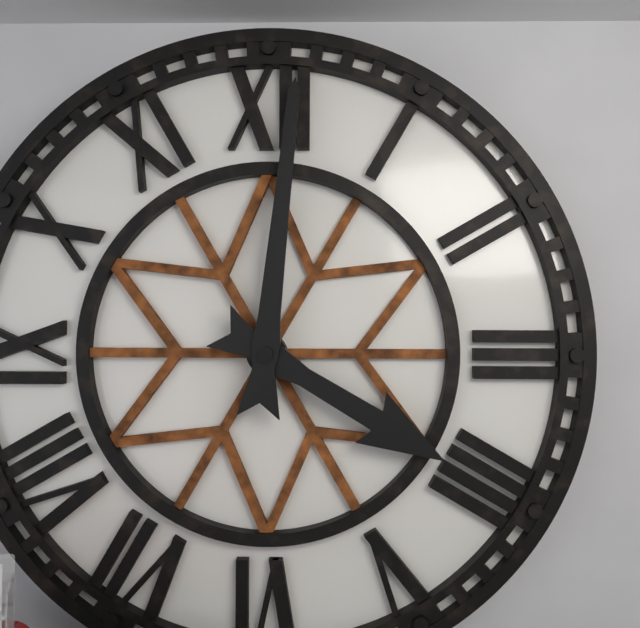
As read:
4:01
